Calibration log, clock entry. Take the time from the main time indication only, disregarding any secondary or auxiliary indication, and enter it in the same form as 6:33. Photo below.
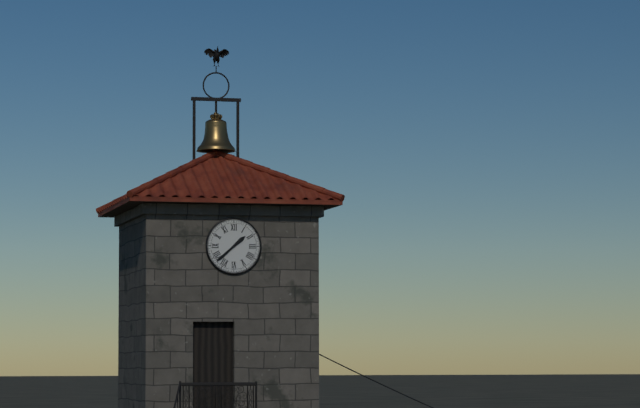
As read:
1:38
